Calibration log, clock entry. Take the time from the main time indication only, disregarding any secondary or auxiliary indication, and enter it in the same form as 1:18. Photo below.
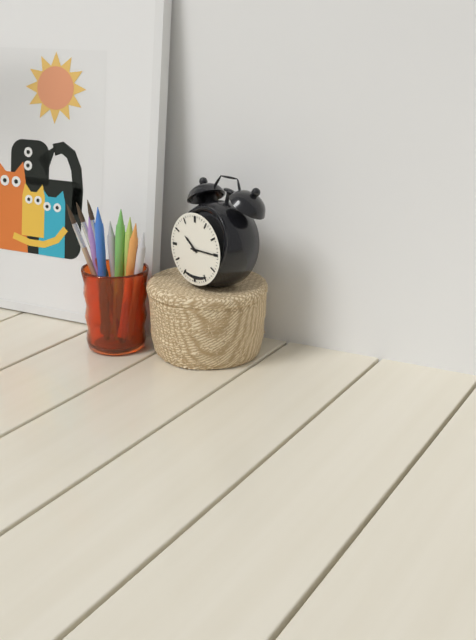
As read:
10:15
